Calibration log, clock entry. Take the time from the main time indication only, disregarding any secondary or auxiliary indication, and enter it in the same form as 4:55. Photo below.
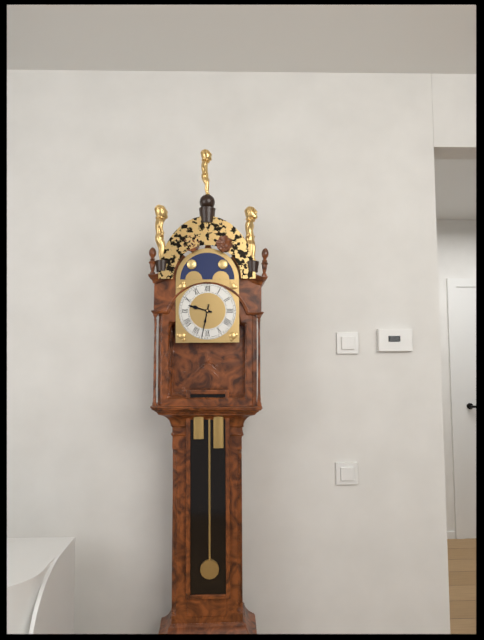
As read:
9:32
